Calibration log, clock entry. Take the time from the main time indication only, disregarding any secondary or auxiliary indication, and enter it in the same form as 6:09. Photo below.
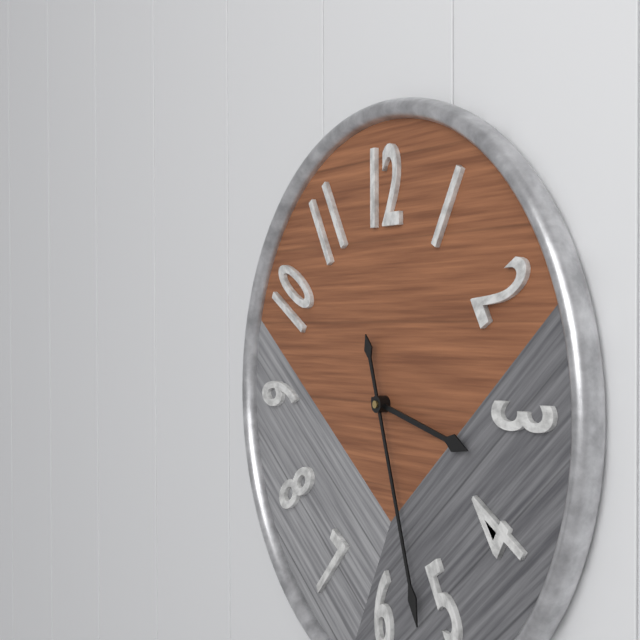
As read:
3:27
